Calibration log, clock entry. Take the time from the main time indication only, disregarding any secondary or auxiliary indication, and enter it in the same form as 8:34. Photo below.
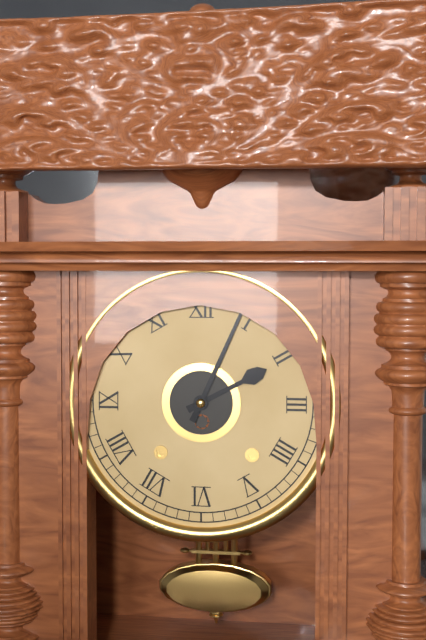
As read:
2:04
